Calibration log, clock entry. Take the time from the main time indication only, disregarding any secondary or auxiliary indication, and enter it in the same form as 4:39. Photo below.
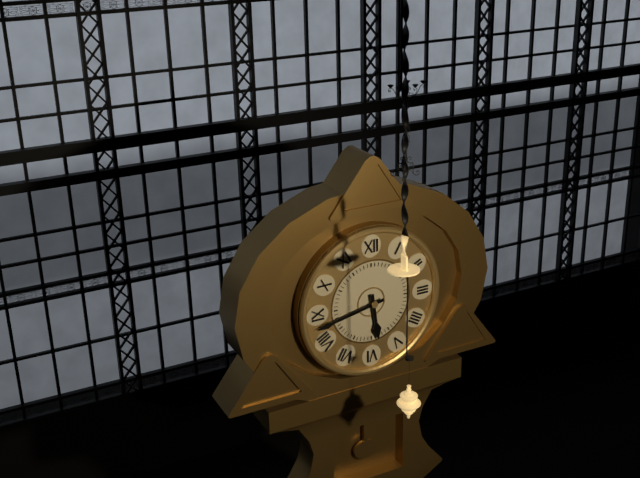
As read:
5:43
